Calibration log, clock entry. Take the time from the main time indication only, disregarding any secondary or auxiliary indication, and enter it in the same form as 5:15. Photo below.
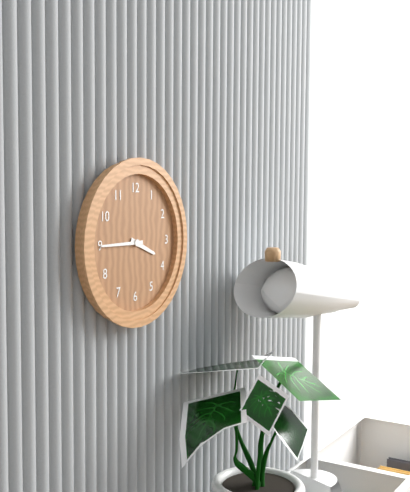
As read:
3:45
